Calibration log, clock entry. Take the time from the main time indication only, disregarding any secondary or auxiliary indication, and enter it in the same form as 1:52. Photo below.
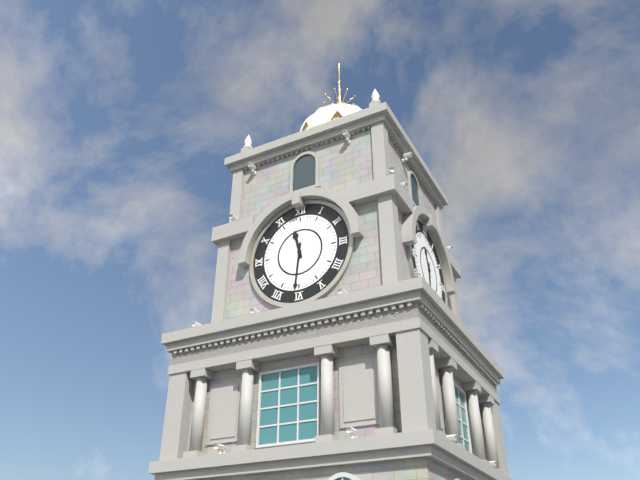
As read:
11:31
